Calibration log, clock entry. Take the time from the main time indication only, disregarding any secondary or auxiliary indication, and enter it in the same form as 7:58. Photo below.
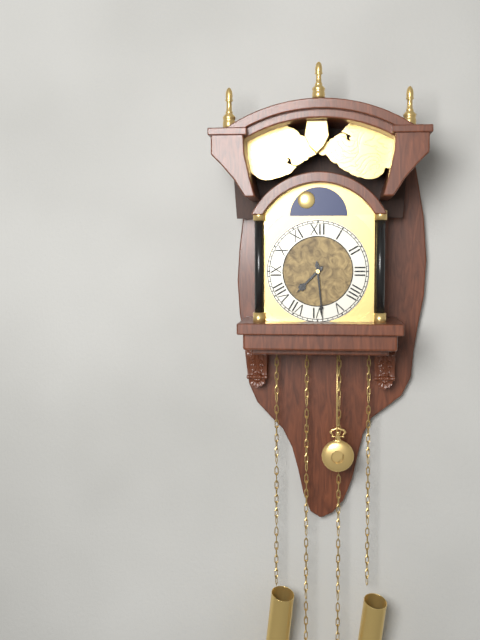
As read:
7:29
